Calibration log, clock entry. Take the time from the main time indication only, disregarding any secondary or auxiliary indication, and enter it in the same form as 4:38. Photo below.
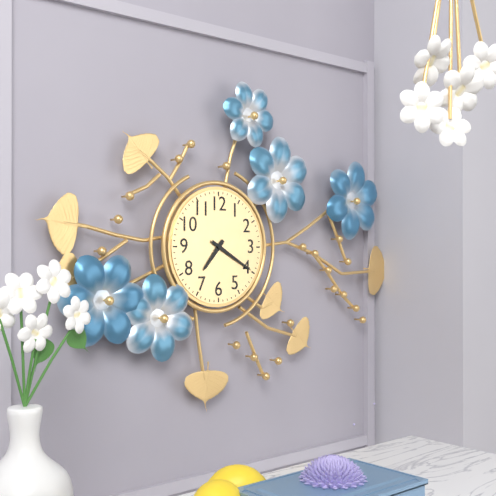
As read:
7:20
